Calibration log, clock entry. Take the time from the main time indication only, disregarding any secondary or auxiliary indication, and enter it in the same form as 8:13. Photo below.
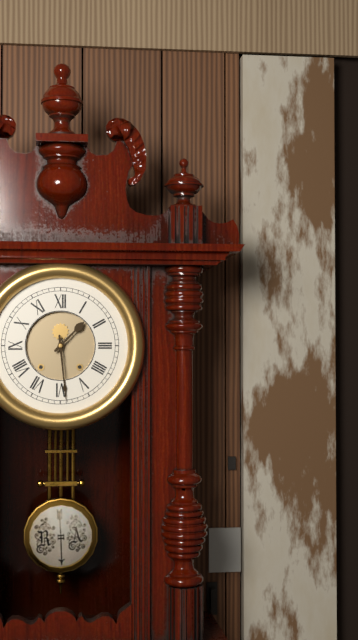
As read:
1:29
